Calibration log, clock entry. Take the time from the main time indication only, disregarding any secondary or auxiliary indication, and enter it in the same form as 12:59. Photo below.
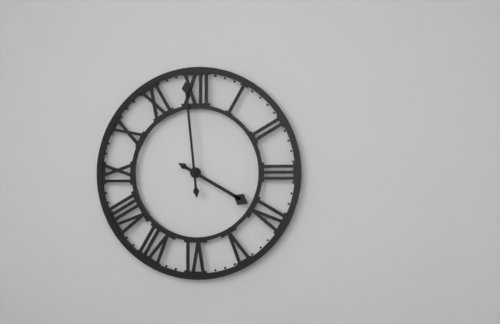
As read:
3:59
